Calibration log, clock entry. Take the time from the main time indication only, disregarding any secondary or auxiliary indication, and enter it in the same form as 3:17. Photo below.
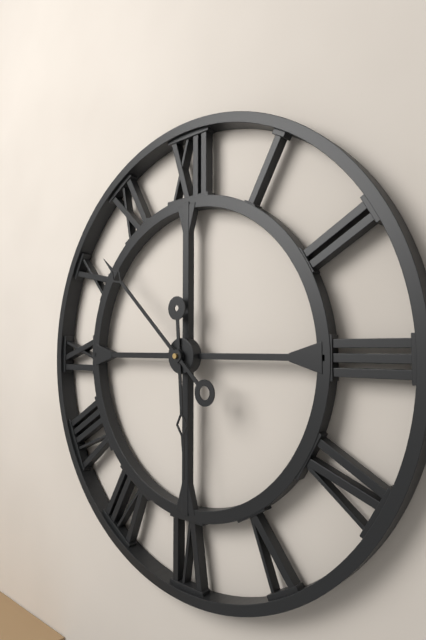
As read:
5:52
